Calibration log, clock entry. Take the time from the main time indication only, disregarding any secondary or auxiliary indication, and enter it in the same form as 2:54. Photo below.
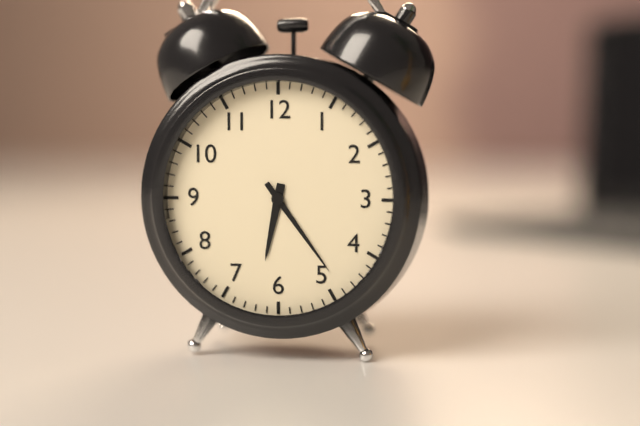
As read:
6:24
